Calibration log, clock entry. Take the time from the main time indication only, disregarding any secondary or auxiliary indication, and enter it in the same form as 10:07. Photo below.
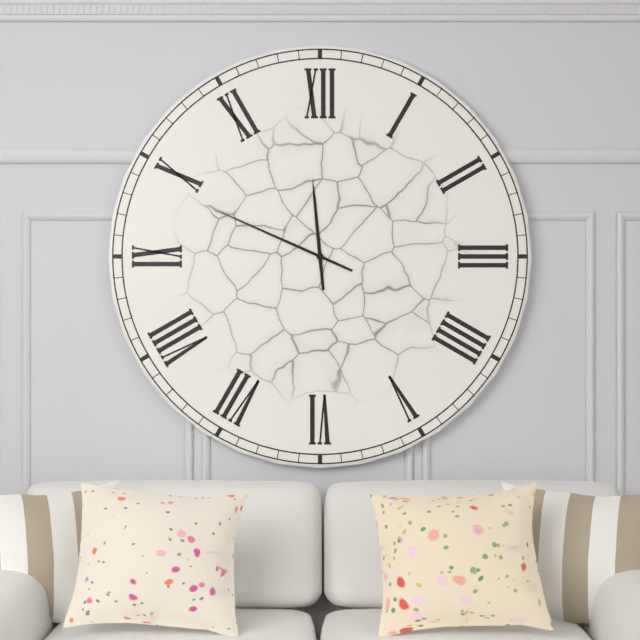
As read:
11:49
